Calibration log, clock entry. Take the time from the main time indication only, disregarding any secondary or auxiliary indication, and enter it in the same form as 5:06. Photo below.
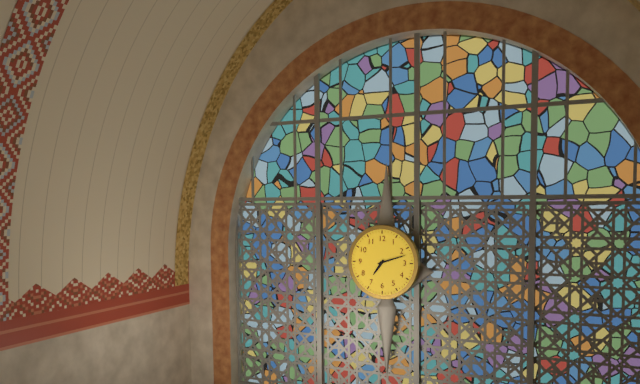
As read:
7:12
